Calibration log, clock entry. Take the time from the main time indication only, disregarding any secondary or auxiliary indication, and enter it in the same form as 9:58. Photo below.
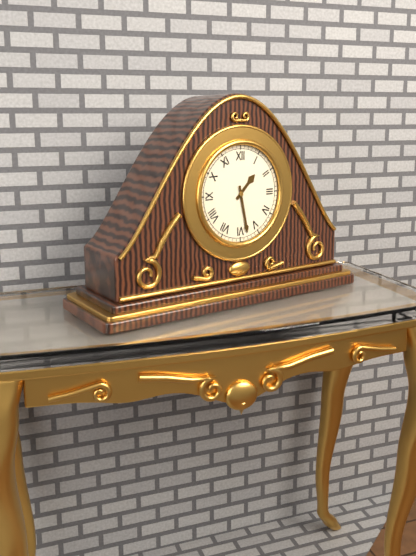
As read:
1:28
